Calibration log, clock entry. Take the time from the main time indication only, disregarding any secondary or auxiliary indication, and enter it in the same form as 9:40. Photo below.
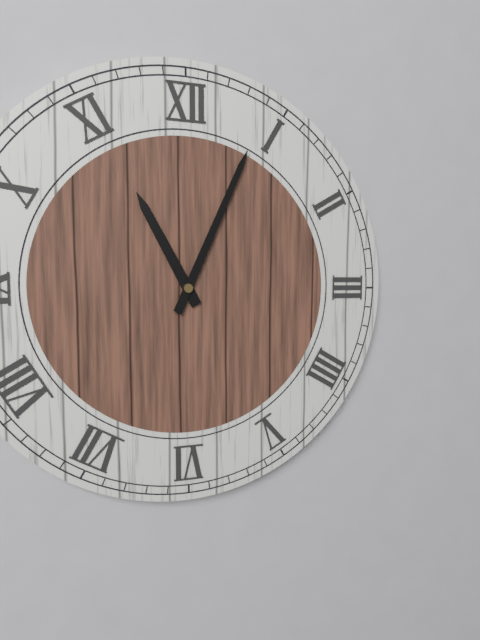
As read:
11:04
